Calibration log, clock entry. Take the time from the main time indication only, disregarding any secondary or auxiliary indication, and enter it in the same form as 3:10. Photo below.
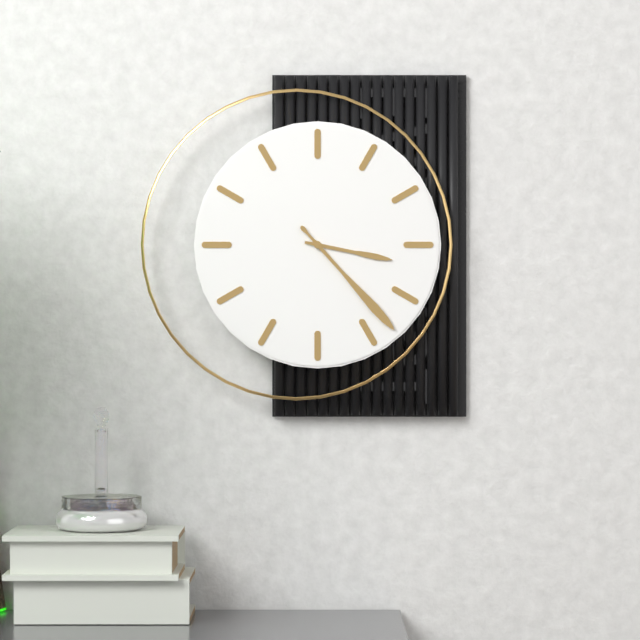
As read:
3:23
